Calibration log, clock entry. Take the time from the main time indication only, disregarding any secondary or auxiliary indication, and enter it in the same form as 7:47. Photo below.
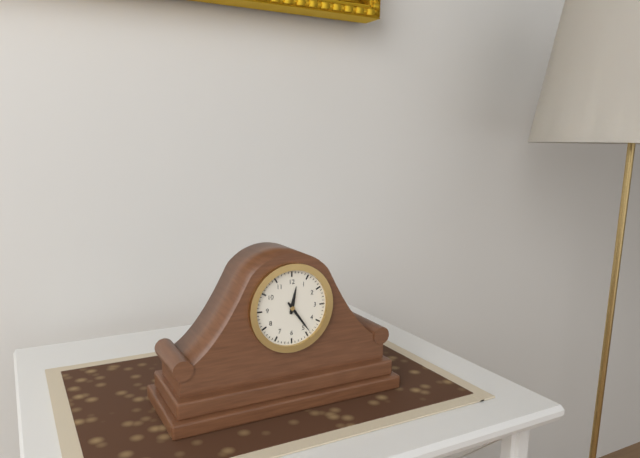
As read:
12:24
